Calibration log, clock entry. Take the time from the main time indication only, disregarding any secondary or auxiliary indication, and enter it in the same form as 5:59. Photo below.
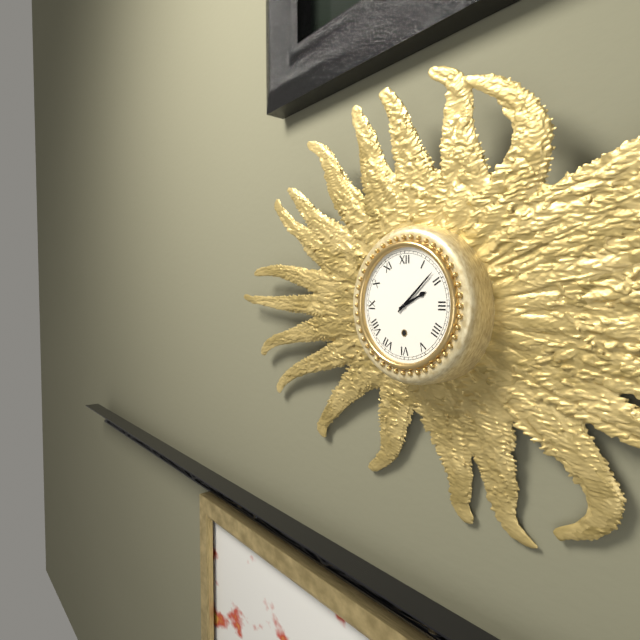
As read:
2:08
